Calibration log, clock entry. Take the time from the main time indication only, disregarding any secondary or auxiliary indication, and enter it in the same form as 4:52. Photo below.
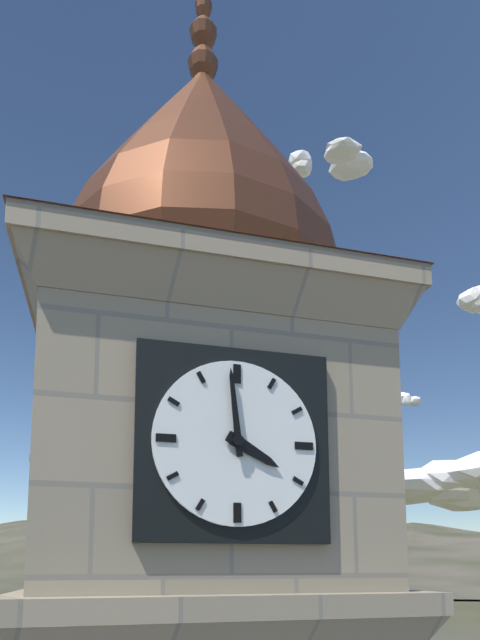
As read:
3:59
